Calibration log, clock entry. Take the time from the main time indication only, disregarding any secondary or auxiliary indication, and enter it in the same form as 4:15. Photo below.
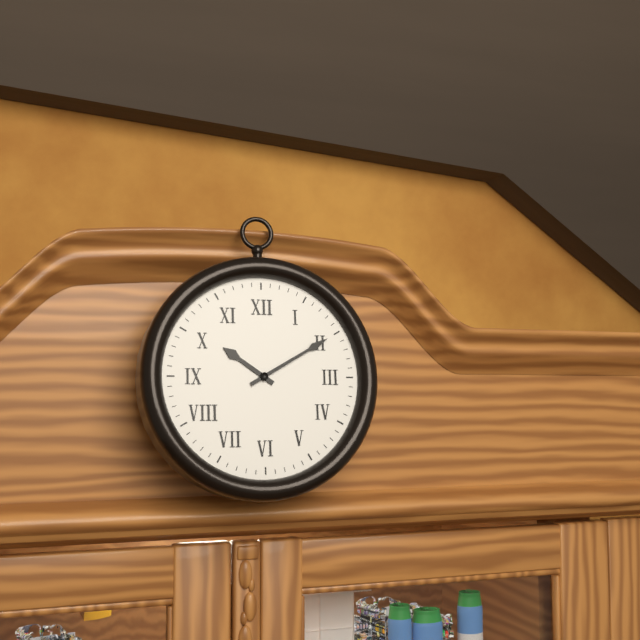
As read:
10:10
